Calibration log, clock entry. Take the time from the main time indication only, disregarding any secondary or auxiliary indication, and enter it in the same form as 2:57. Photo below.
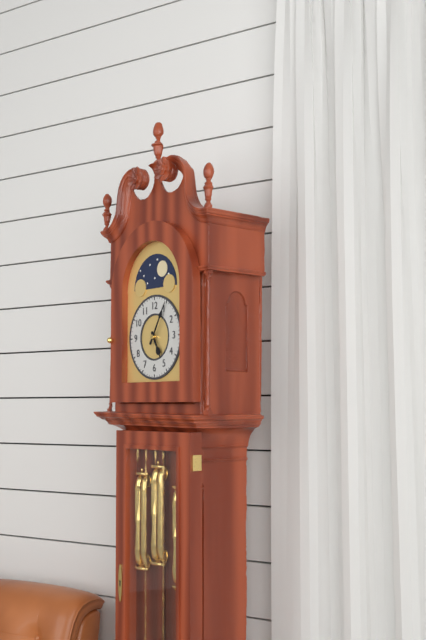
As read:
5:05
